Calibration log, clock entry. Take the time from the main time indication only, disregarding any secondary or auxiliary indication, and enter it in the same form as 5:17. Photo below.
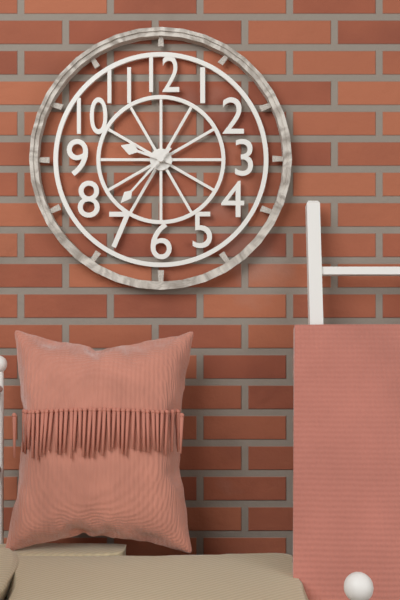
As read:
9:37
